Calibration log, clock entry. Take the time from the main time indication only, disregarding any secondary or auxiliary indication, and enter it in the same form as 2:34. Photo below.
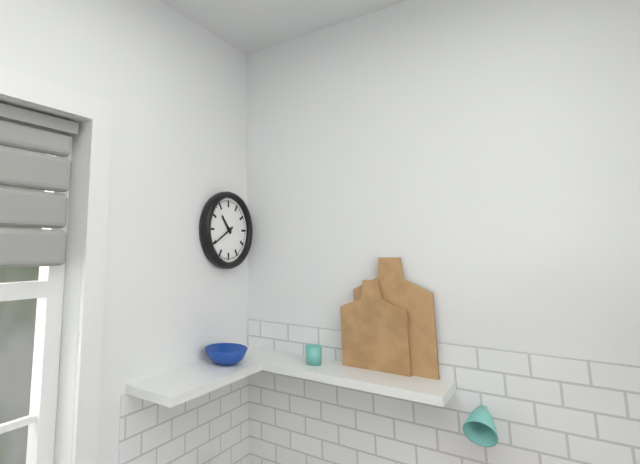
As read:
10:40
